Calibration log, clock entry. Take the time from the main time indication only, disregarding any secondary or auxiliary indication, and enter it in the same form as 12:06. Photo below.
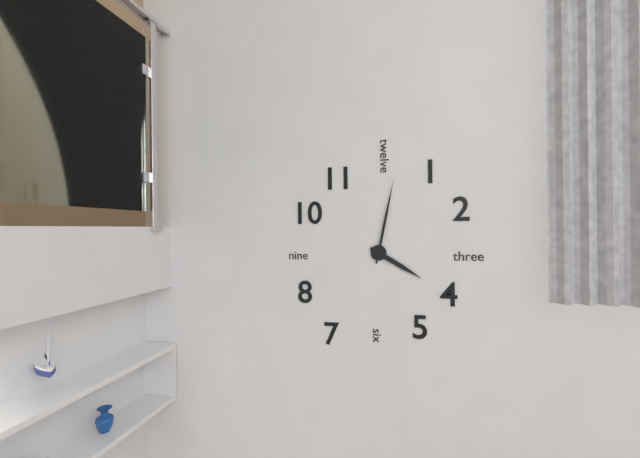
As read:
4:02
